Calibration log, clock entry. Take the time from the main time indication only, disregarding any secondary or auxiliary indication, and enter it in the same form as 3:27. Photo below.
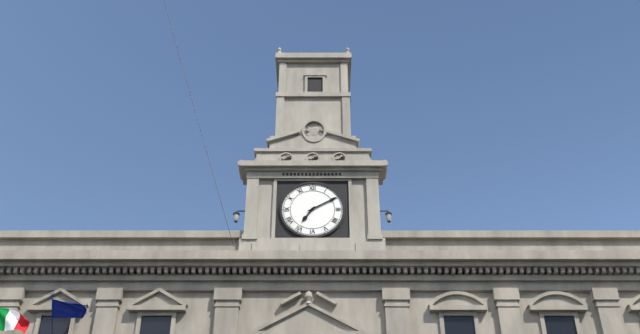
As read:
7:10
